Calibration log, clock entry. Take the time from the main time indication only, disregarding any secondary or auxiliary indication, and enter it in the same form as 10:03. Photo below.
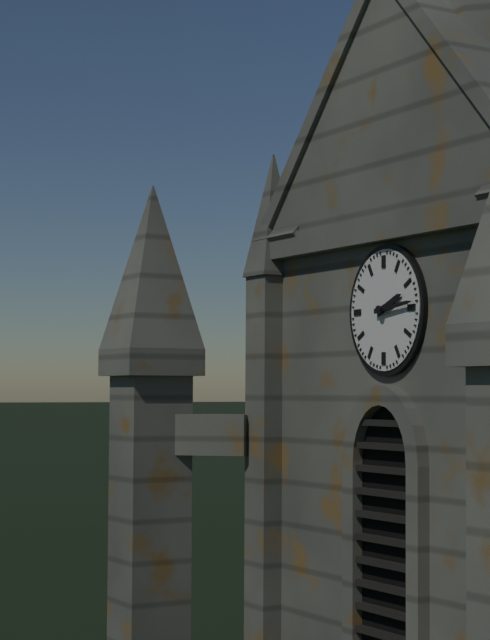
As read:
2:14
